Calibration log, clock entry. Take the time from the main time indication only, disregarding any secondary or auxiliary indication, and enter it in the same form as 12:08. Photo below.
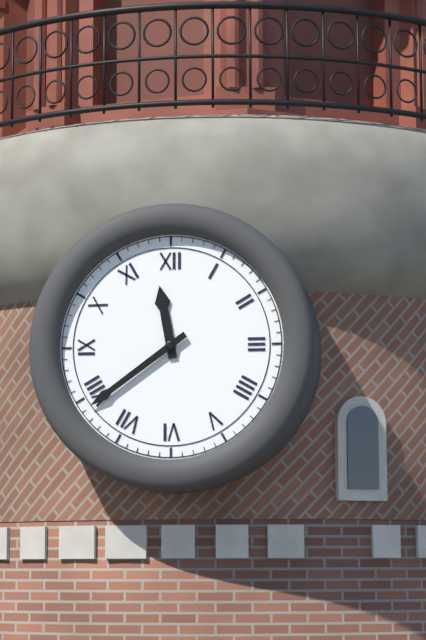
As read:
11:39
